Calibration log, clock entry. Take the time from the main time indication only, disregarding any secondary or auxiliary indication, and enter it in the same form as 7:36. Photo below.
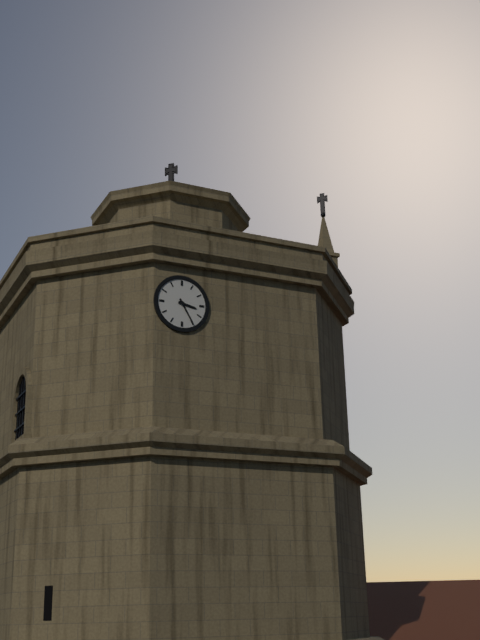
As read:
3:25
